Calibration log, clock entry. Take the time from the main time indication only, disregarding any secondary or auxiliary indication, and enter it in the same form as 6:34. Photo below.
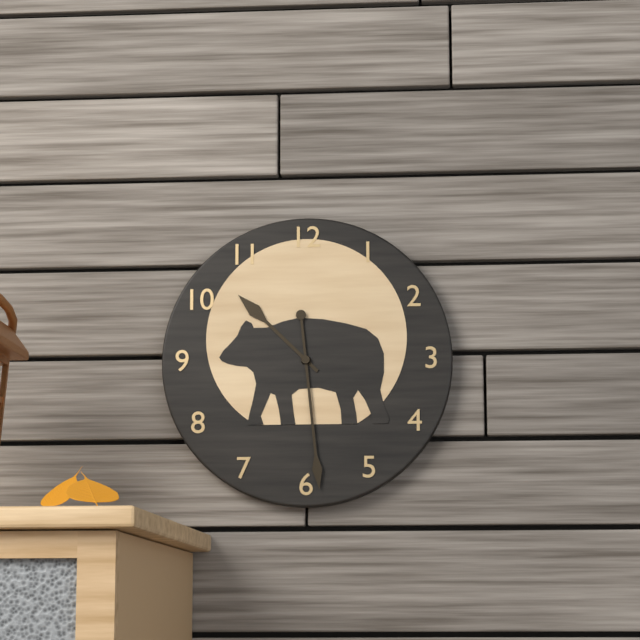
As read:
10:29
